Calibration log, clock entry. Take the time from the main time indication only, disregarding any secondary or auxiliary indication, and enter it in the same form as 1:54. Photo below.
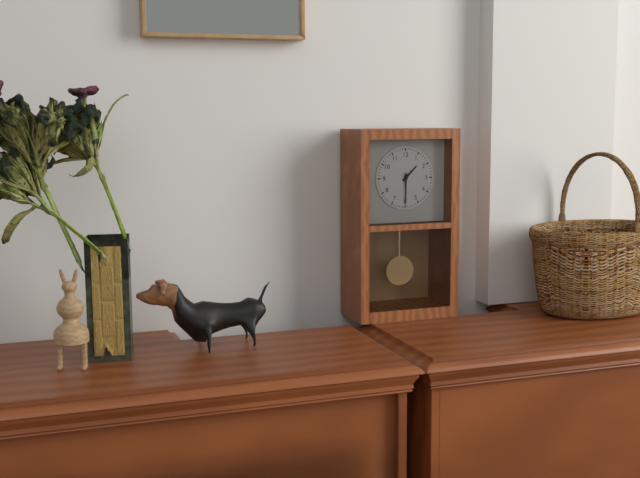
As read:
1:30
